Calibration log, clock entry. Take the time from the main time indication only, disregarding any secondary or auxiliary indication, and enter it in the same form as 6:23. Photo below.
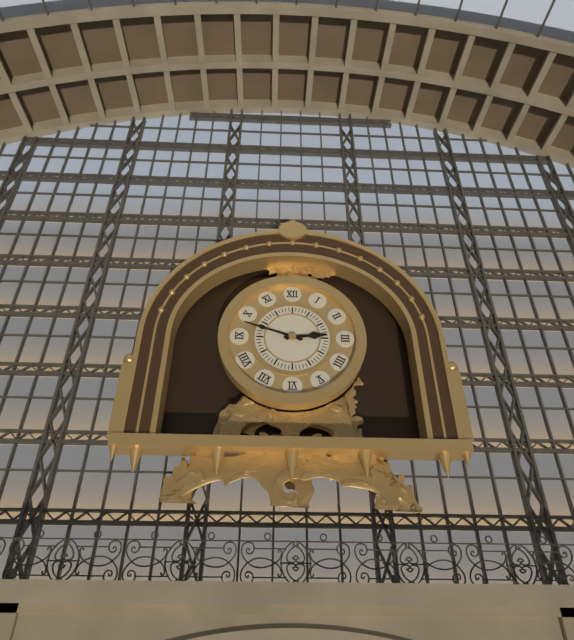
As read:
2:48
